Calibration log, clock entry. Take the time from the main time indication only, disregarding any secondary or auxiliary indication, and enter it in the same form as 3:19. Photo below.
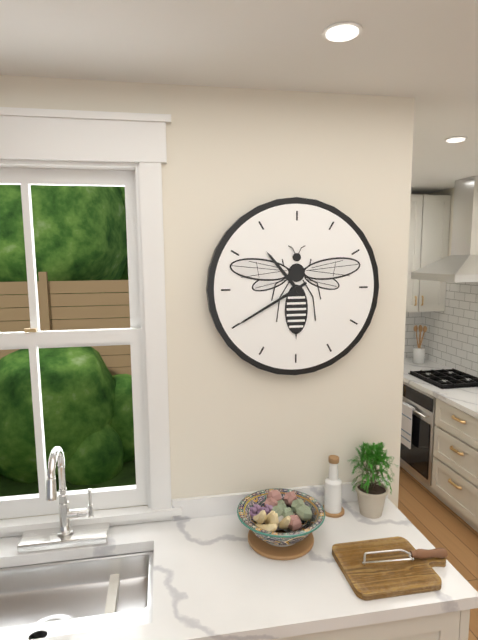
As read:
10:40
